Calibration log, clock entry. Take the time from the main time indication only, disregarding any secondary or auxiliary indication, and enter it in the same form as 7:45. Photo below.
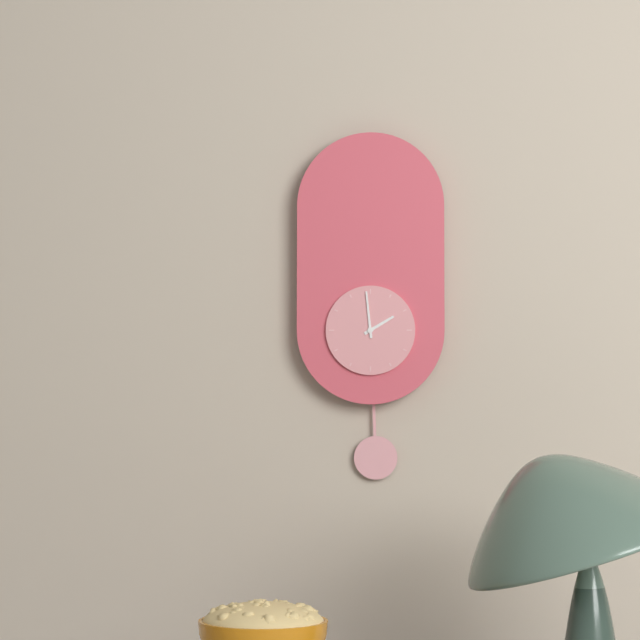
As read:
1:59
